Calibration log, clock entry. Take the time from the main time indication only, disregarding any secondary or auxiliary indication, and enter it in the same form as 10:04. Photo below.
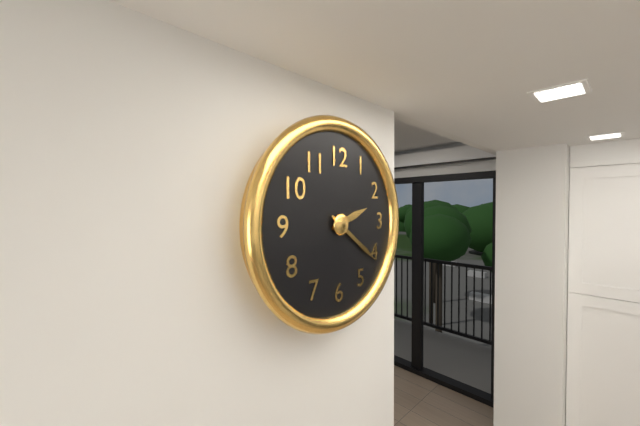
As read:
2:21
